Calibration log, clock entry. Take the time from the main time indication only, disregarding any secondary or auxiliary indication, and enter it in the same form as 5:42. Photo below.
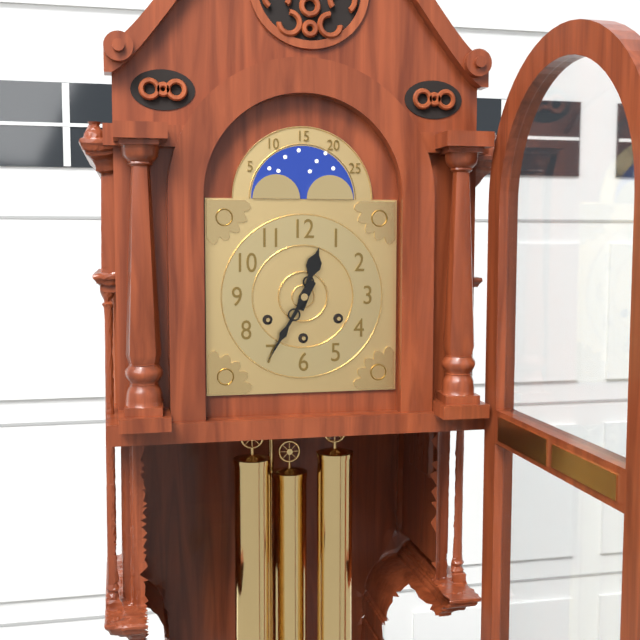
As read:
12:35
